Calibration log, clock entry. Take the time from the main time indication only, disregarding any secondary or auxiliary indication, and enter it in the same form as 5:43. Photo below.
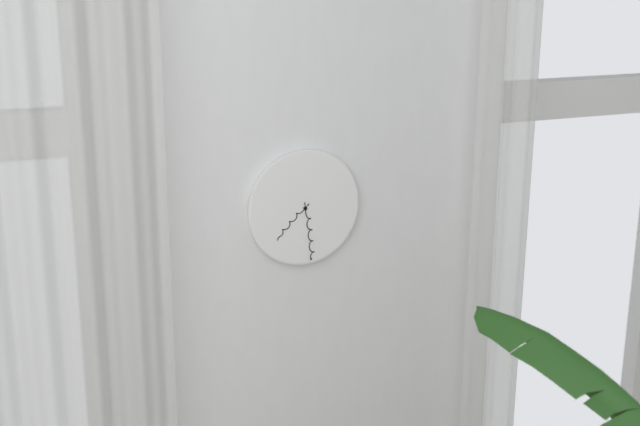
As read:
7:29
